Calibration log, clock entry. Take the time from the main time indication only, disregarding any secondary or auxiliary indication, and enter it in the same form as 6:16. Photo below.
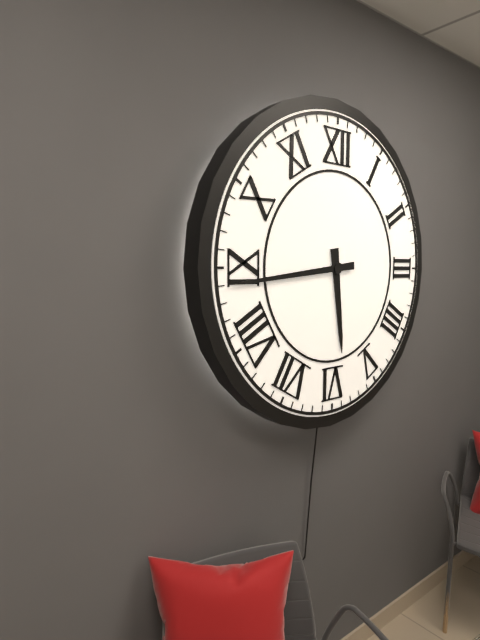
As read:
5:44
